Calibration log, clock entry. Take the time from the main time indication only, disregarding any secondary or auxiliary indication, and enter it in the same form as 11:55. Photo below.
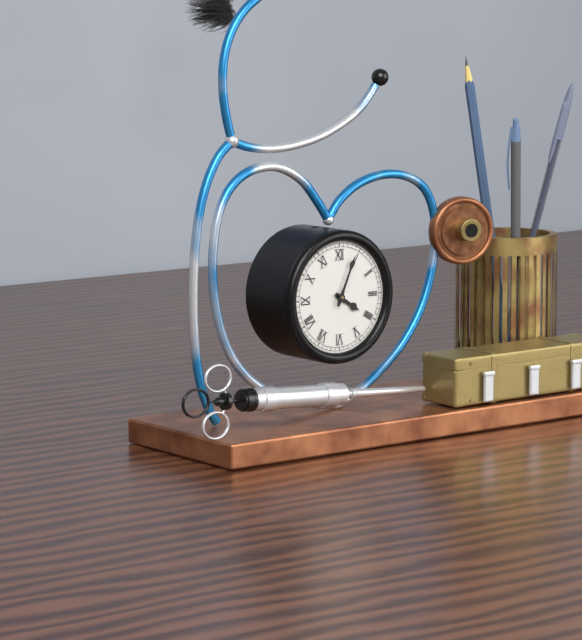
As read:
4:04
